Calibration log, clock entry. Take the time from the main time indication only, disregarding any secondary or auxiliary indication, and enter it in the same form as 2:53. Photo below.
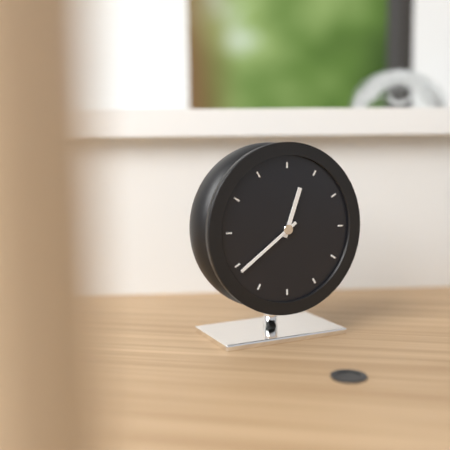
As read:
12:39
